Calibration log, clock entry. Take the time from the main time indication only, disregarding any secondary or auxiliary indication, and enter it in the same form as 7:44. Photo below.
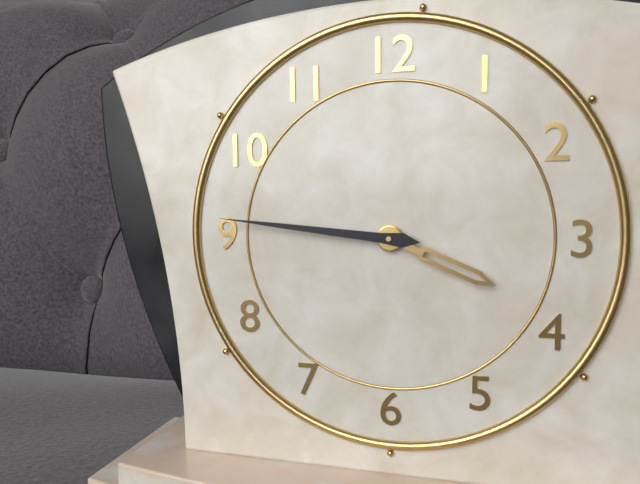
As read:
3:46
